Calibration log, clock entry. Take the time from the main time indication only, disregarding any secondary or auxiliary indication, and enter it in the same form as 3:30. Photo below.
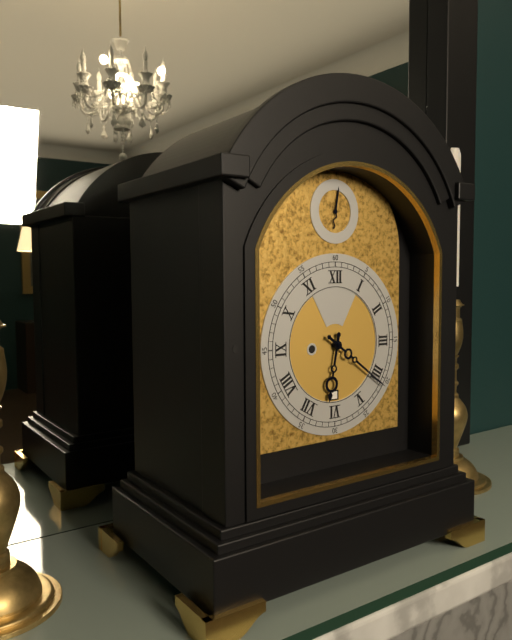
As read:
6:21
